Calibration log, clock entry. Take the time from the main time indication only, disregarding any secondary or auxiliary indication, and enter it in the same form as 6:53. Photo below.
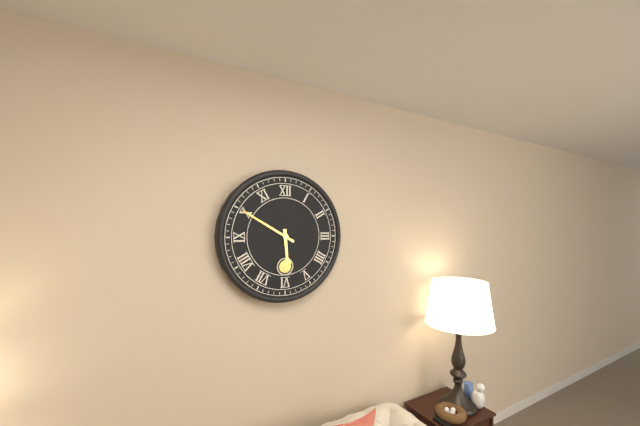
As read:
5:50
